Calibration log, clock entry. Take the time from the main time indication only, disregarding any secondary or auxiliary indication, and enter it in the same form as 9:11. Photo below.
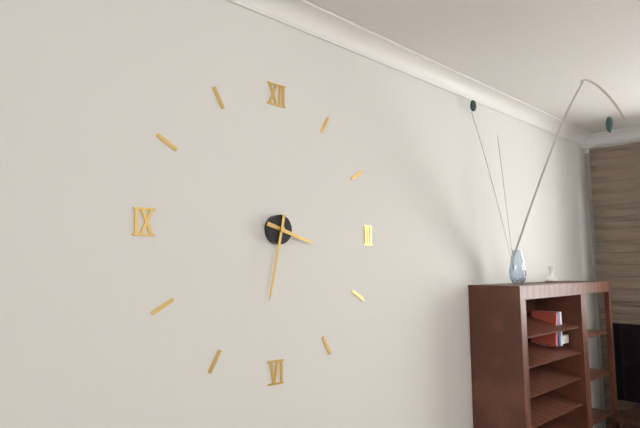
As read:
3:32
